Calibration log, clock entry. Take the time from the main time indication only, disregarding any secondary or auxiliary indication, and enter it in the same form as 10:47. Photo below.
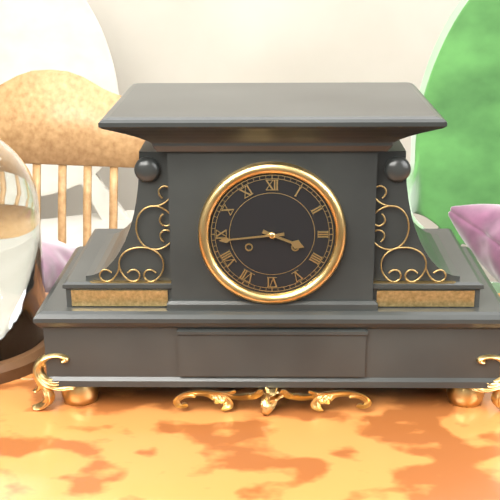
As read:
3:44
